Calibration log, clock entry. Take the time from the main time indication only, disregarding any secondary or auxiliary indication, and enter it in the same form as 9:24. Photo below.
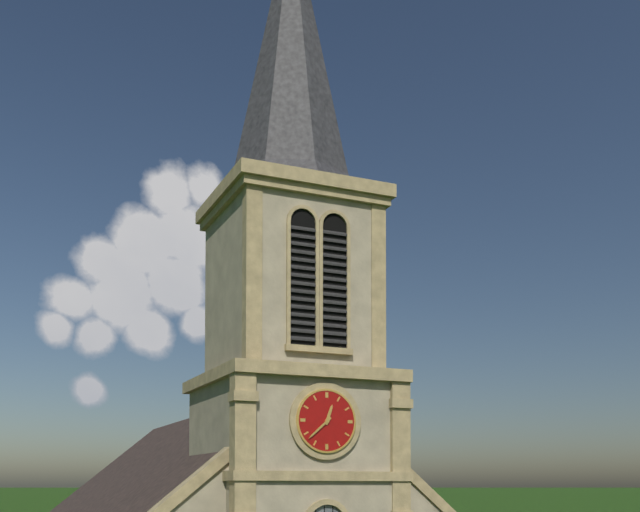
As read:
12:38
